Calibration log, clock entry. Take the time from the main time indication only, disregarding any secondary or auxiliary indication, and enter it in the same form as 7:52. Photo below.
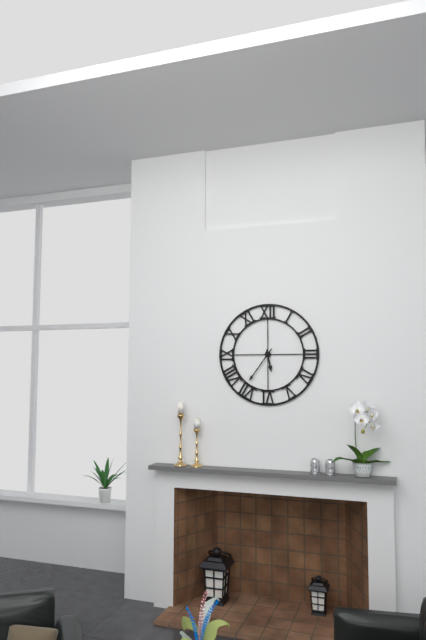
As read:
5:36
